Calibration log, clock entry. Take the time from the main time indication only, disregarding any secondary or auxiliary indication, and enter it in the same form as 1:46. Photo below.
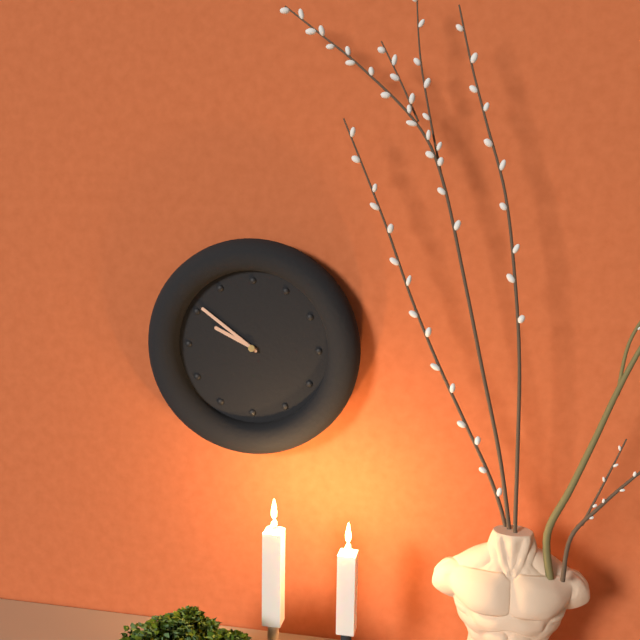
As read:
9:51
